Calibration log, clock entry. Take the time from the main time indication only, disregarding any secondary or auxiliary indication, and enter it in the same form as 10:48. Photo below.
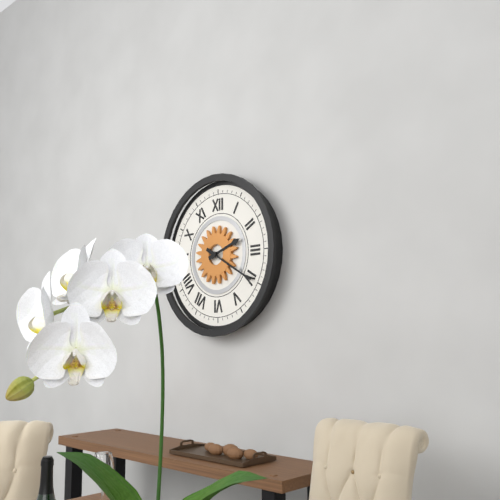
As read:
2:20
